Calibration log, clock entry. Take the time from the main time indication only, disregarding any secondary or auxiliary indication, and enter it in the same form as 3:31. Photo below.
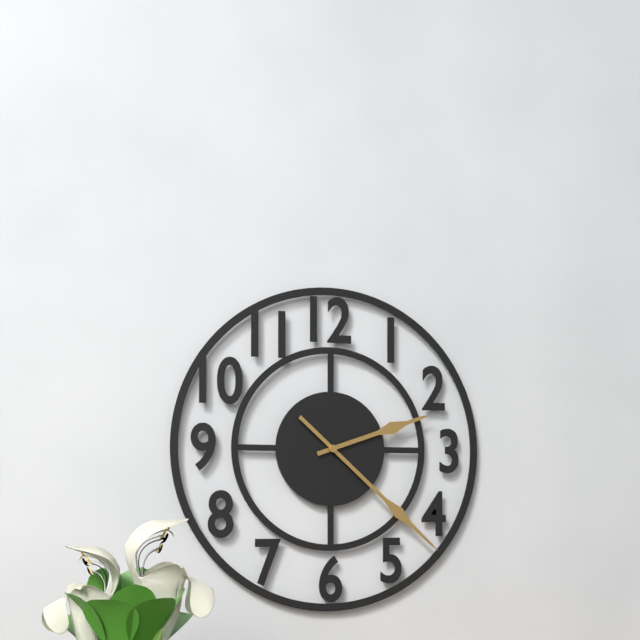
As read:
2:22
